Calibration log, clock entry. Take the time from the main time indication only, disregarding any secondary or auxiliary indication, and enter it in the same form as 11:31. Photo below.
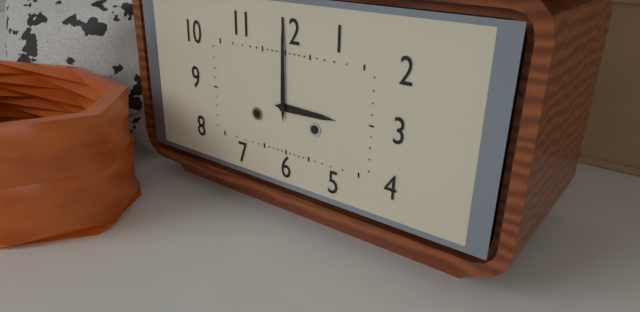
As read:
3:00
